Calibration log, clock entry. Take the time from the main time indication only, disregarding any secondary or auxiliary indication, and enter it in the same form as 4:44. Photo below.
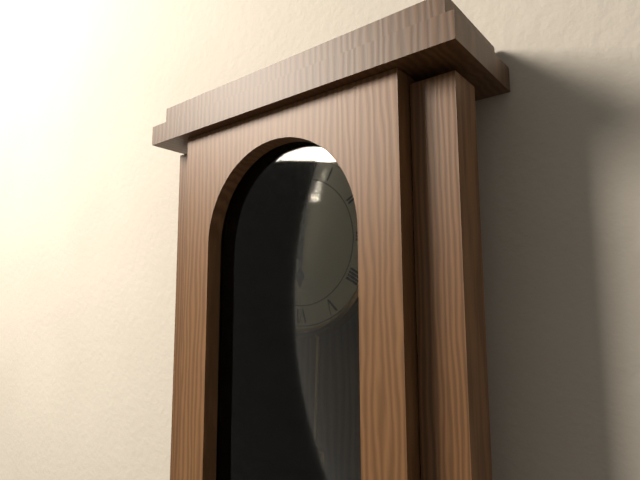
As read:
6:02
